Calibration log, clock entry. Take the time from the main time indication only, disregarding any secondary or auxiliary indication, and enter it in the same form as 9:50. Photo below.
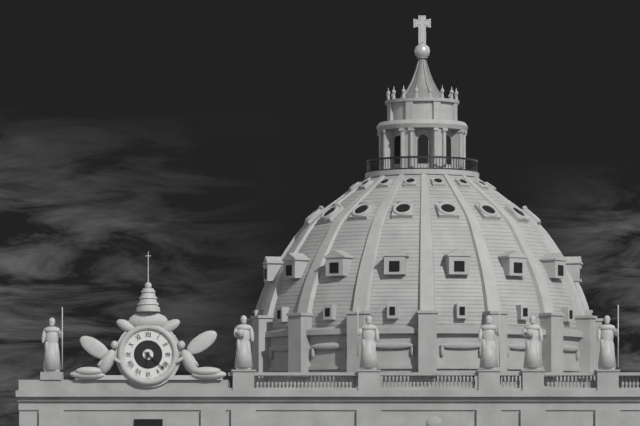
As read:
6:22
